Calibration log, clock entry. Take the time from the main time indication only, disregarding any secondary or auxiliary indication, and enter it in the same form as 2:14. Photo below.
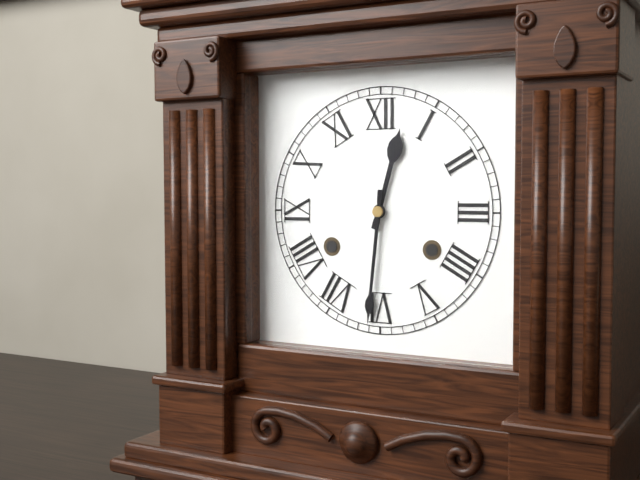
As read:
12:31
